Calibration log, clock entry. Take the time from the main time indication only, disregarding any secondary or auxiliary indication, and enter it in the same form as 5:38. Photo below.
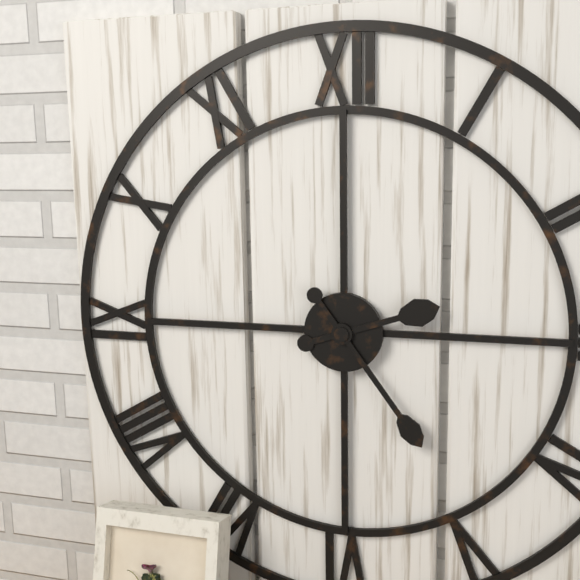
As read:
2:24
